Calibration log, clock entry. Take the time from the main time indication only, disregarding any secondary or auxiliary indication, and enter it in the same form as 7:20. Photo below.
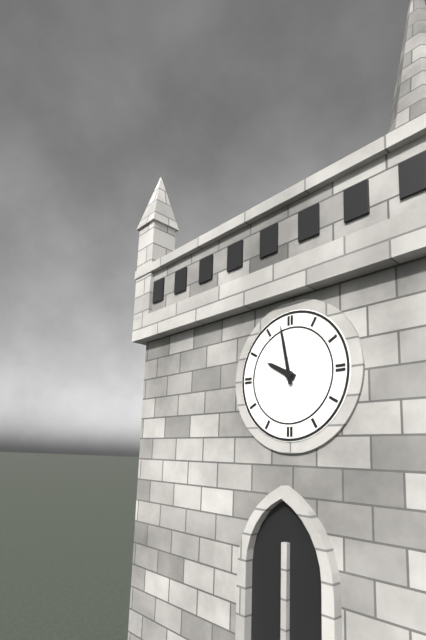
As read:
9:58
